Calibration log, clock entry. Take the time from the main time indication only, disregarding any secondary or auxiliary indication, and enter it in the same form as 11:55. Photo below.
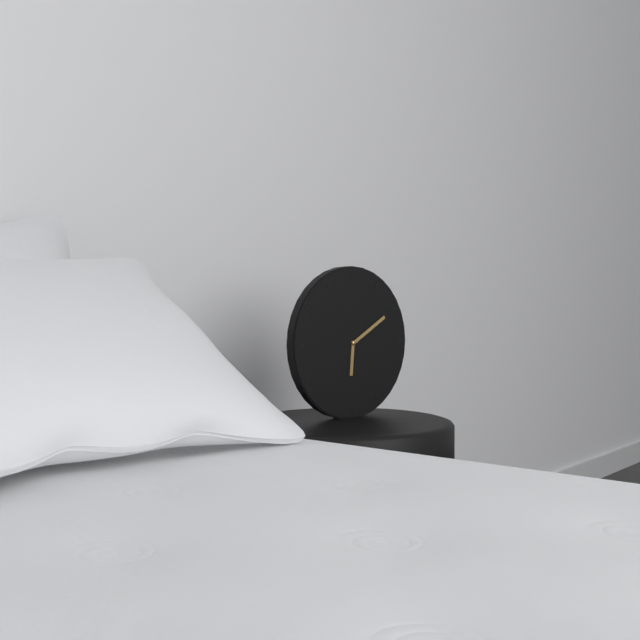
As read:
6:10
